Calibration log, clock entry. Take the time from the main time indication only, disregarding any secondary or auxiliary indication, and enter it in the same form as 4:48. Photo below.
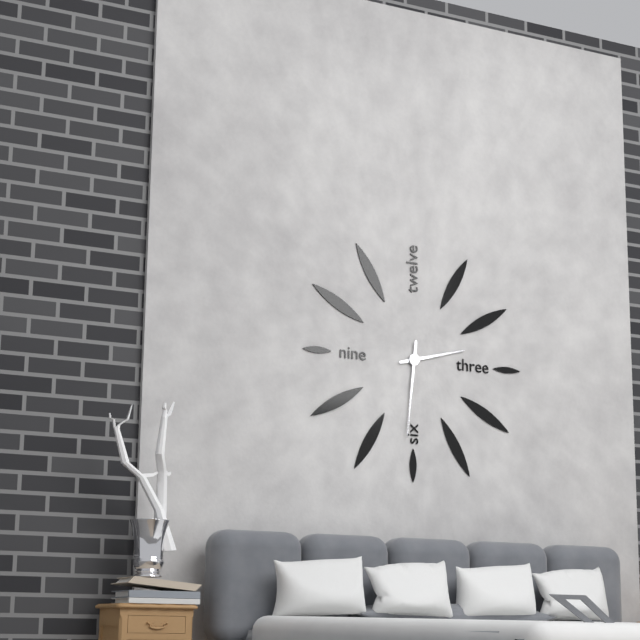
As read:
2:31
